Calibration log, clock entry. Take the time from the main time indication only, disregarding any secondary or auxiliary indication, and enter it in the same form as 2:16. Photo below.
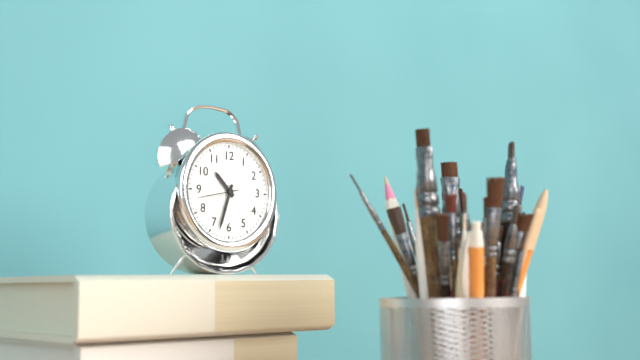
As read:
10:33
